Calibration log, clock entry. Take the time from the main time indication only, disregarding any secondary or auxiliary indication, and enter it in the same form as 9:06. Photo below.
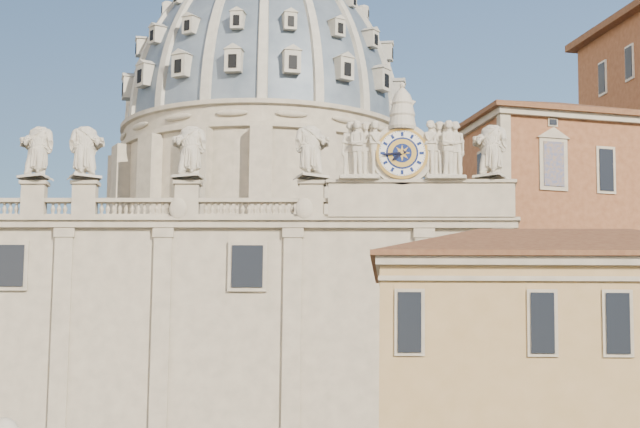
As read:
7:44
